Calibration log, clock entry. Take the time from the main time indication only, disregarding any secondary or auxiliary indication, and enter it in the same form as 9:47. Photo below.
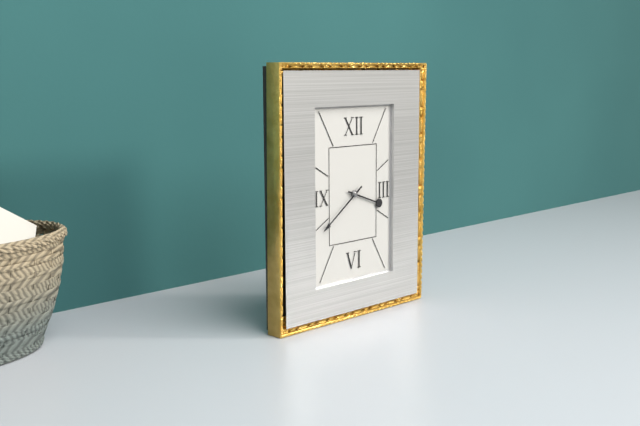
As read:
3:39
